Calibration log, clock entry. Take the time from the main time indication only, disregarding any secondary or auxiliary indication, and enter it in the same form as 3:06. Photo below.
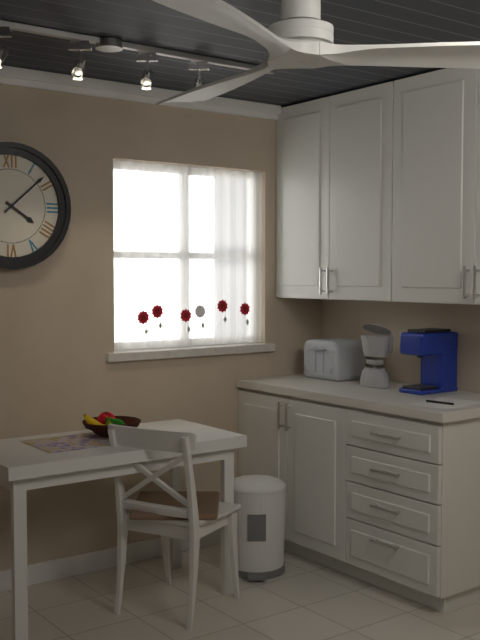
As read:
4:08
